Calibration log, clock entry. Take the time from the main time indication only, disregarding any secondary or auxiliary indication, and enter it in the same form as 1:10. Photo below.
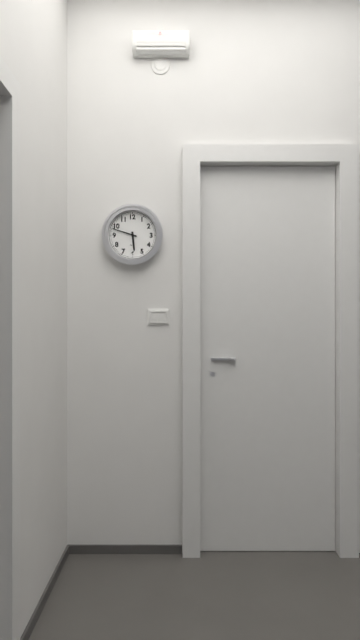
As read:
5:48
